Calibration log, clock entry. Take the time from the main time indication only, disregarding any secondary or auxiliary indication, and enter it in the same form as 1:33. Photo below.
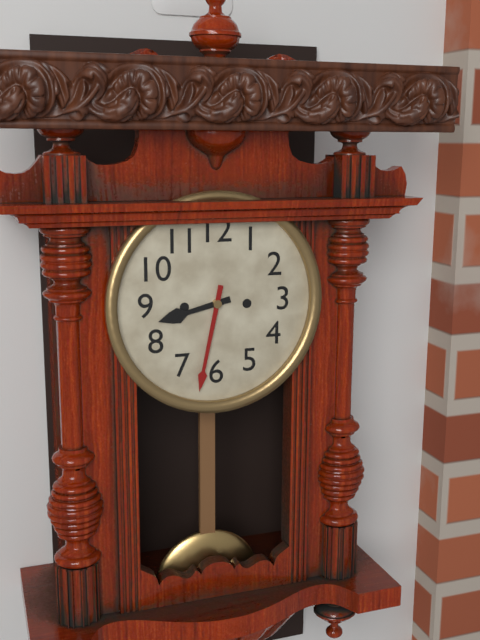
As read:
8:32
